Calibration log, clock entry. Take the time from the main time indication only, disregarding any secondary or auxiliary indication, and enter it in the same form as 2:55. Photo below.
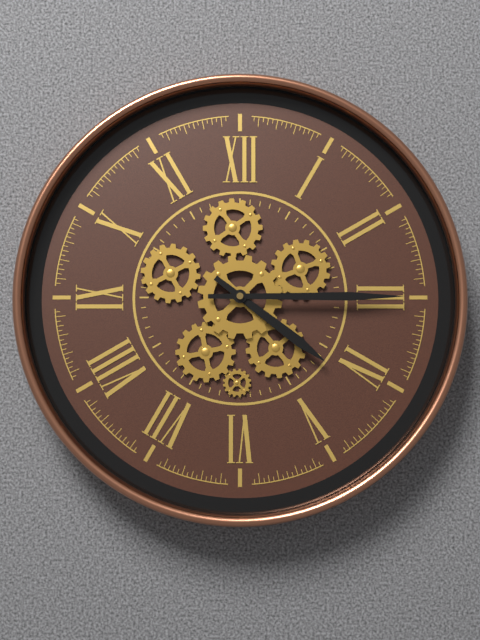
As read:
4:15
